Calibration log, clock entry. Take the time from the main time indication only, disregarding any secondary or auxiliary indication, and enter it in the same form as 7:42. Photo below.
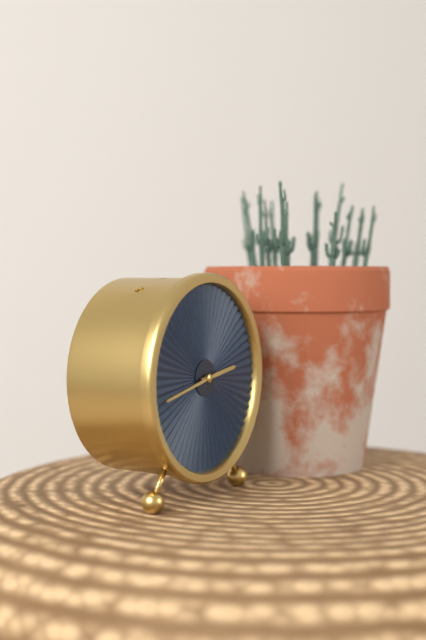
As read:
2:43
